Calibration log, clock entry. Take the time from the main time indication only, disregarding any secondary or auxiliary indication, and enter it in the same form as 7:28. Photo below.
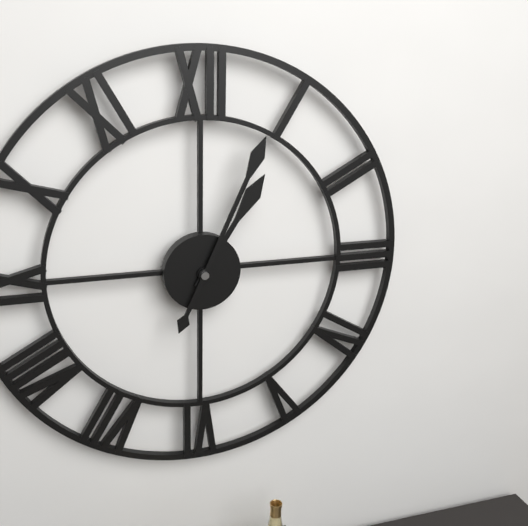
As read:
1:04
